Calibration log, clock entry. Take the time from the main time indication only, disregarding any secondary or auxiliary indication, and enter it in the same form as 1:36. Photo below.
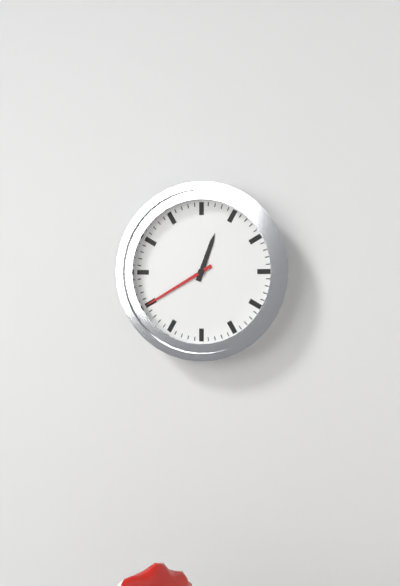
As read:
12:40
